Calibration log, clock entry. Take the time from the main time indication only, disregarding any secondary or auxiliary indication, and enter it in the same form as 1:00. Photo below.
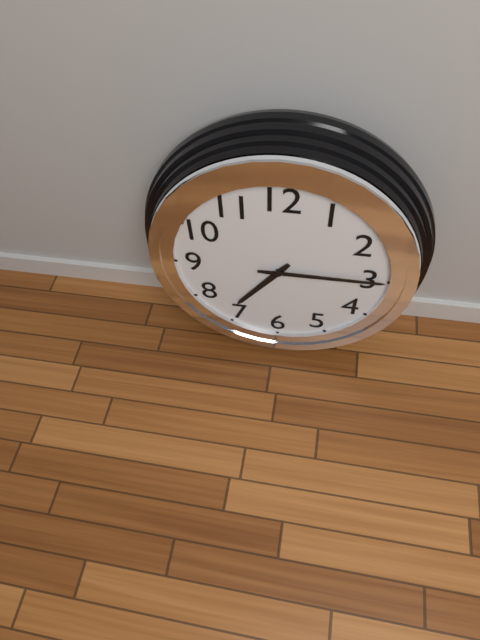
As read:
7:15
